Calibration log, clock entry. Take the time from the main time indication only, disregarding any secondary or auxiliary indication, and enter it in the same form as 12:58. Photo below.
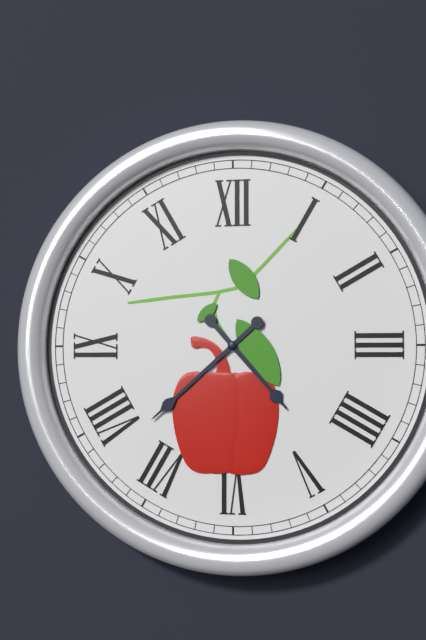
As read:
4:38
